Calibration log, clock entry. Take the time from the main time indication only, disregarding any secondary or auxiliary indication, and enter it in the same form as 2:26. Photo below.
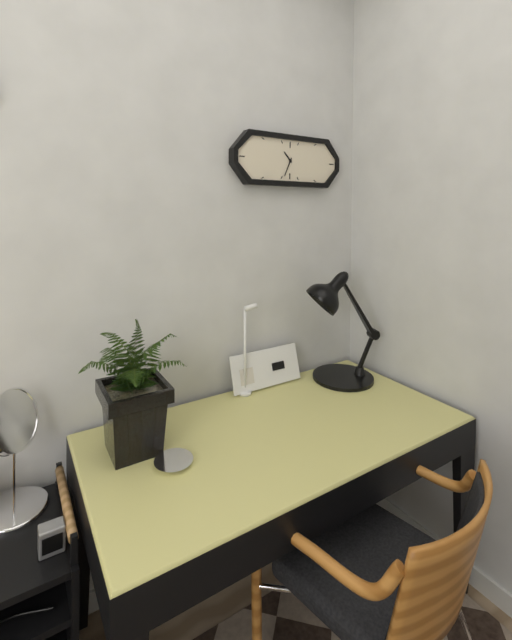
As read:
10:34
